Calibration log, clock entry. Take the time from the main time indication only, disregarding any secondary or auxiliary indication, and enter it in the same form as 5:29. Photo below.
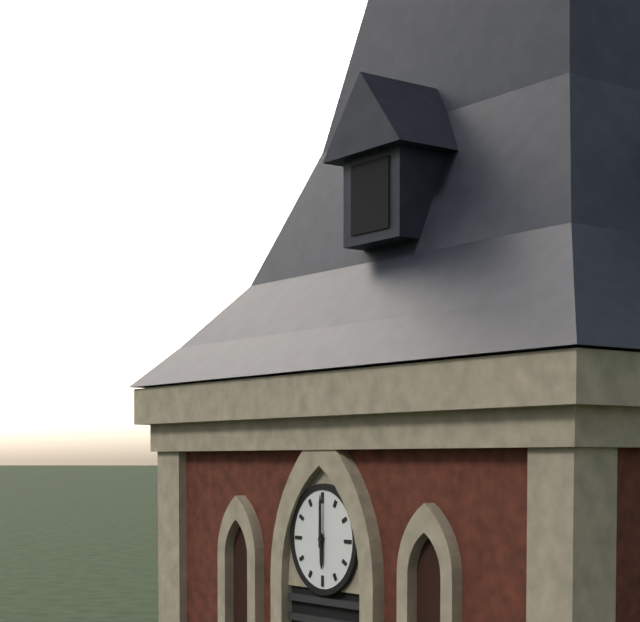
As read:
6:00
